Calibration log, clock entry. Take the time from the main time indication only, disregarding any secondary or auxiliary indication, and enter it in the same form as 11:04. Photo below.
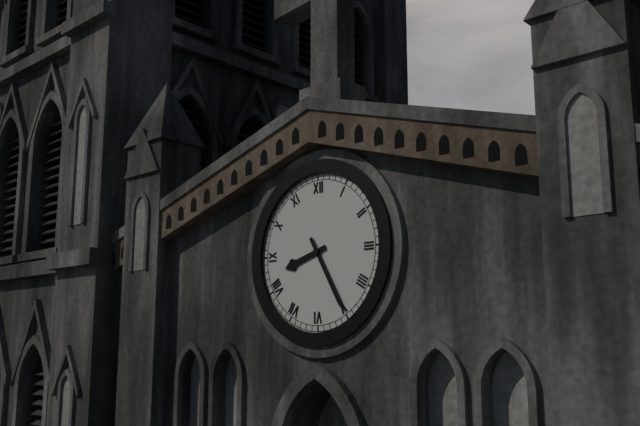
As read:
8:25
